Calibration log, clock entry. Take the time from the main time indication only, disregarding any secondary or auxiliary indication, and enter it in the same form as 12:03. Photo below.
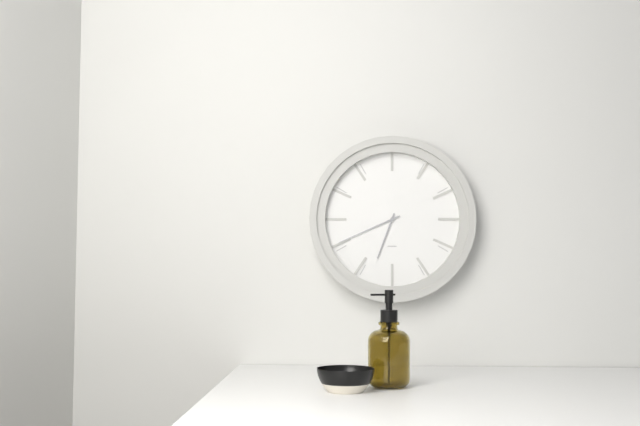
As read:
6:41
